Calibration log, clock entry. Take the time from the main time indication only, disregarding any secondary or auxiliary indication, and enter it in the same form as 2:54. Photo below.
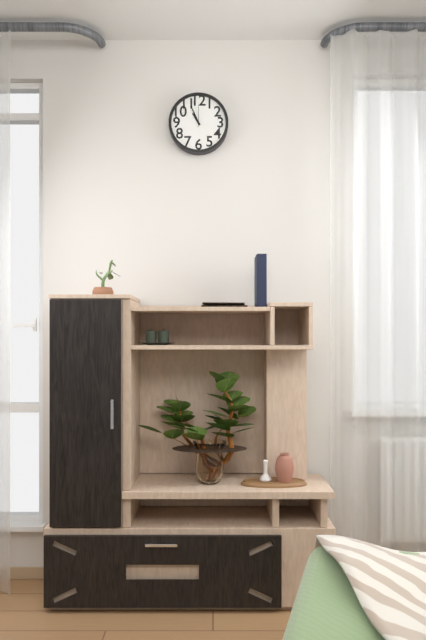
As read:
10:56
